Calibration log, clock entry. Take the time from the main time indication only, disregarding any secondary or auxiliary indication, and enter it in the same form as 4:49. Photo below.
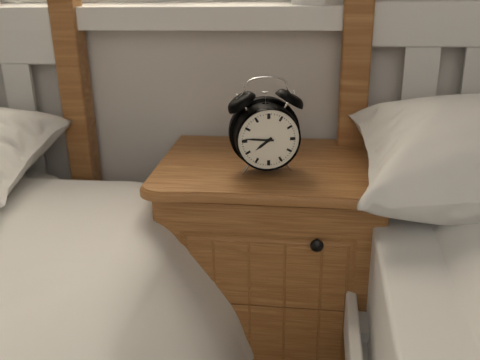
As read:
7:46
